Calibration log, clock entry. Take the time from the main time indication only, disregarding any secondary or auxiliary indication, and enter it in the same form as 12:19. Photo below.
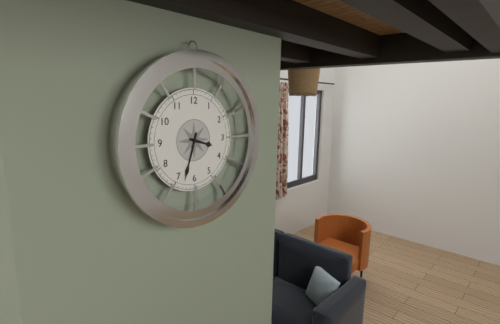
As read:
3:33
